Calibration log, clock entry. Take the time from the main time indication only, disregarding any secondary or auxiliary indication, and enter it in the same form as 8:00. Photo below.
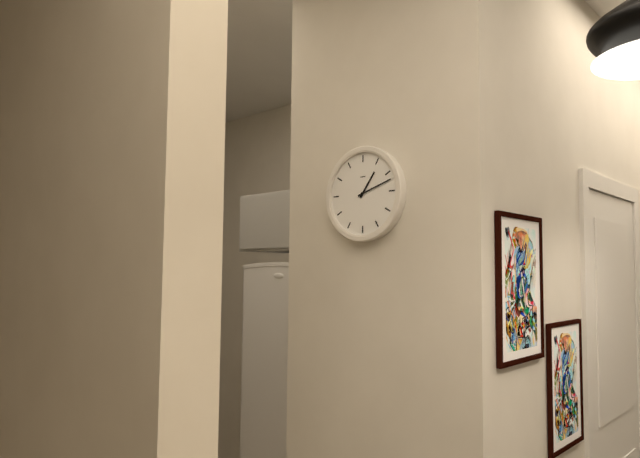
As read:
1:12
